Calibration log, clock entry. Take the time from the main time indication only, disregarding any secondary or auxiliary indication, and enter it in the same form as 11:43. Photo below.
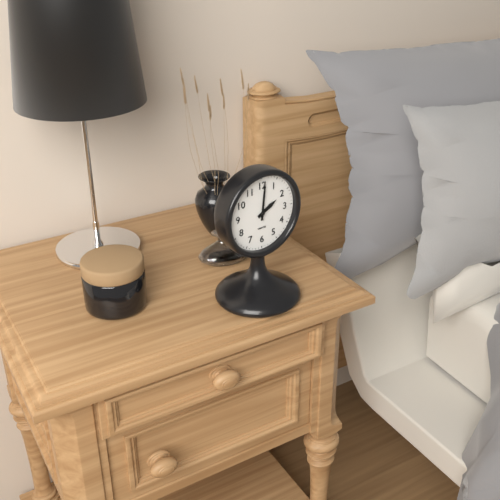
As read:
2:01
